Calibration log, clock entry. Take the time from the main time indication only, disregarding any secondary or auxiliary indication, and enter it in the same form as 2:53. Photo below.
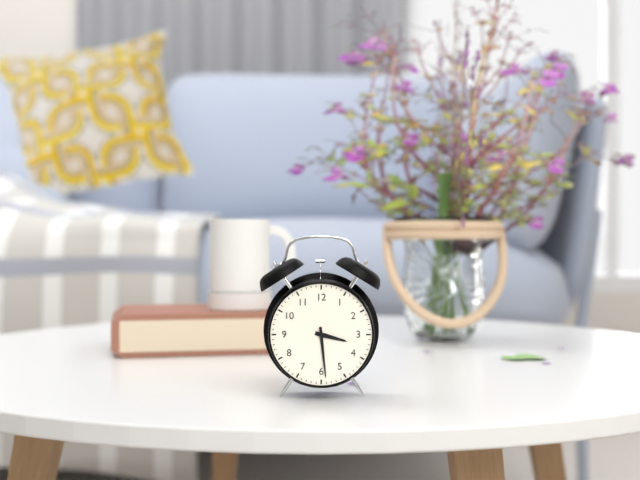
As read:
3:29
